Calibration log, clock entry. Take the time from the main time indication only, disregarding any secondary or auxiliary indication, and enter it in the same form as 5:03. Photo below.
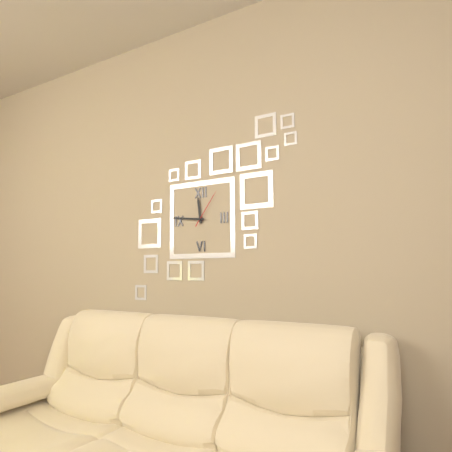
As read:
11:46
